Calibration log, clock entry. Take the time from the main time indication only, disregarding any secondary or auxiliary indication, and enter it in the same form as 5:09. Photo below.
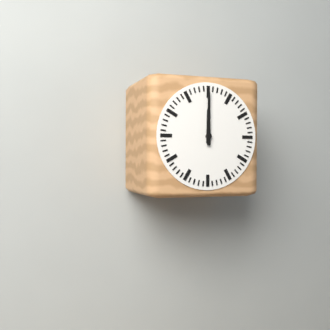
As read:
12:00
